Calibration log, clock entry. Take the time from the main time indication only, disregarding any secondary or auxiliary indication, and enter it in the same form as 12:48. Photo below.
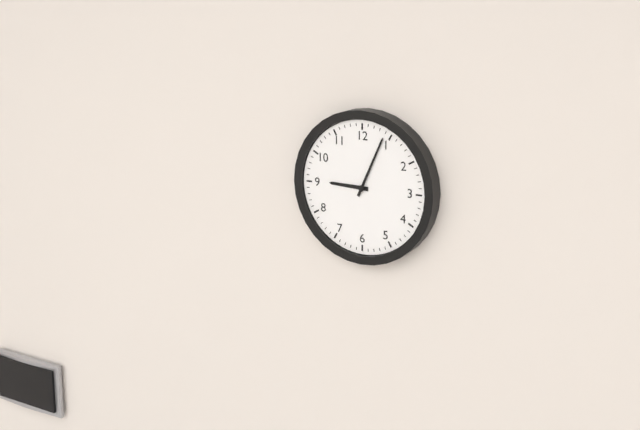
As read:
9:04
